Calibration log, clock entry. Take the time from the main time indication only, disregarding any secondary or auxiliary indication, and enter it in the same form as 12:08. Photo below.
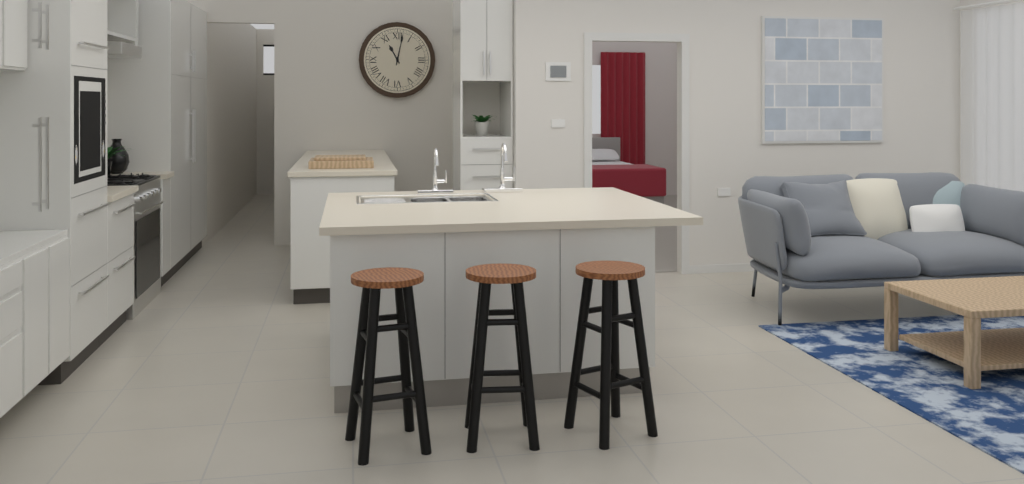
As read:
11:02
